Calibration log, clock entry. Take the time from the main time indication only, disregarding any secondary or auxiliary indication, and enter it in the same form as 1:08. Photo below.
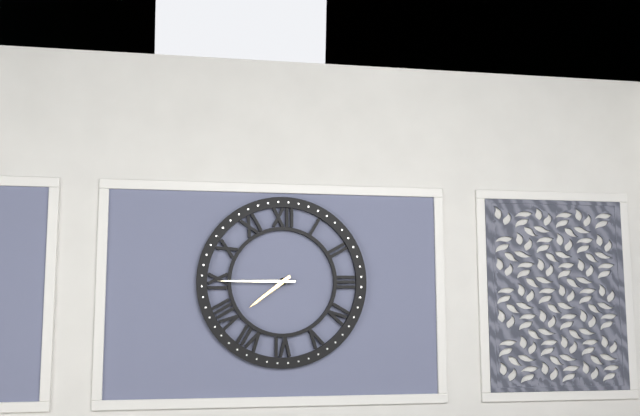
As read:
7:45
